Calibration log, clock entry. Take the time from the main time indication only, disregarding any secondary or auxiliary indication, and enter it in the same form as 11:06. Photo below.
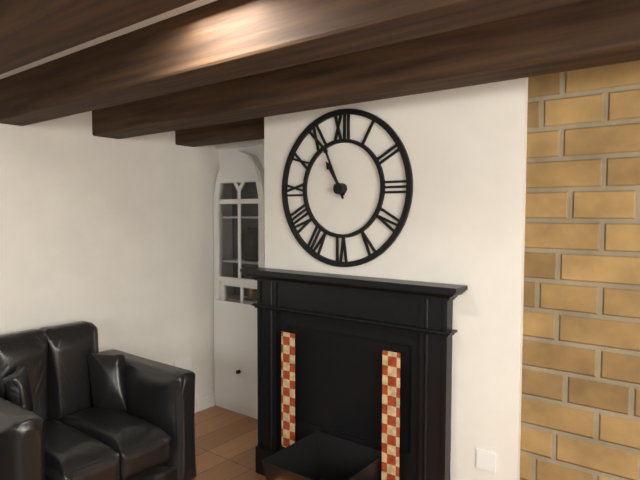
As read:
10:56
